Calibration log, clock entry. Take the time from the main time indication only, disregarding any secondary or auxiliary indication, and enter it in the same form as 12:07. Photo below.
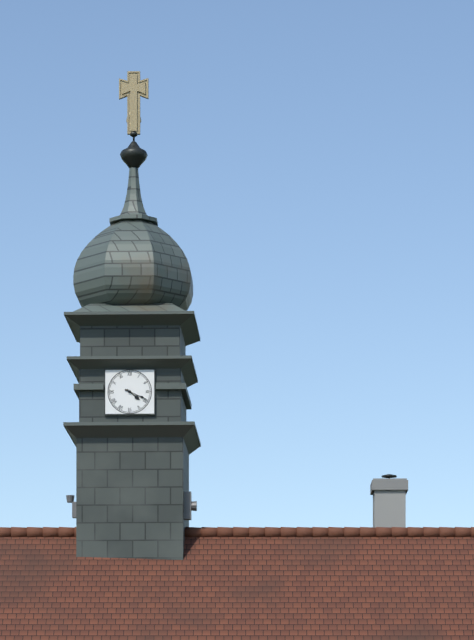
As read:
4:19
